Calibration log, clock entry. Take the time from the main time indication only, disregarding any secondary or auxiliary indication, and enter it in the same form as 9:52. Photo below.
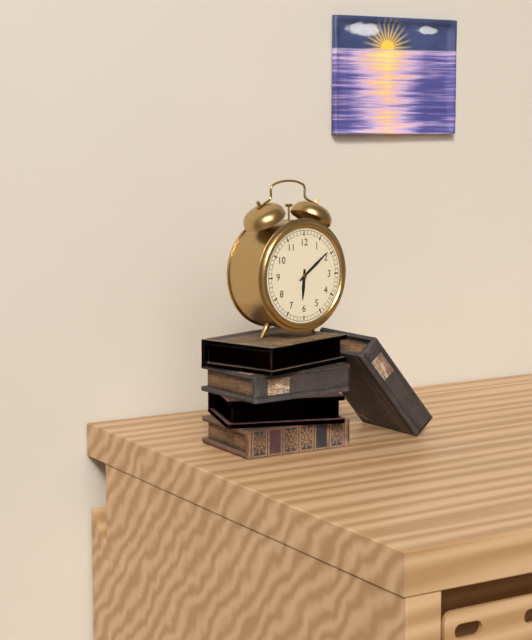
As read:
6:09
